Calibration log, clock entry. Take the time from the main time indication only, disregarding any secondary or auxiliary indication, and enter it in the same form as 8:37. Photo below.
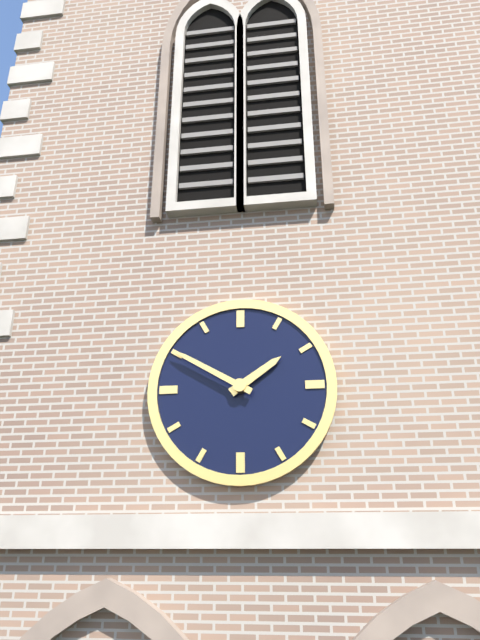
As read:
1:50
